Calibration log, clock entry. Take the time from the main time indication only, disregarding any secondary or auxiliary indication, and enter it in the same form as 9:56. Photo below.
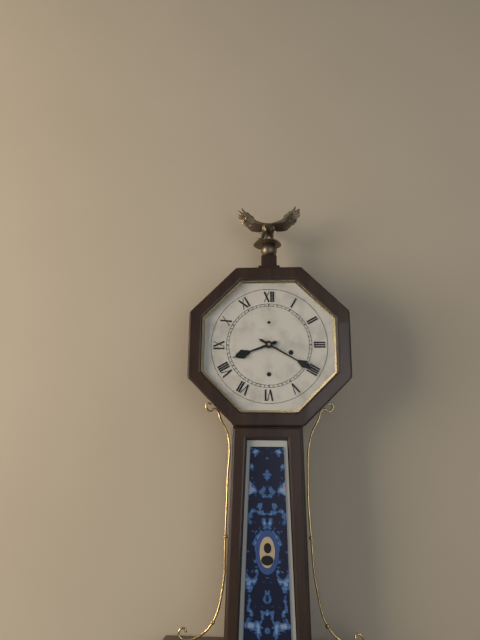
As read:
8:20
